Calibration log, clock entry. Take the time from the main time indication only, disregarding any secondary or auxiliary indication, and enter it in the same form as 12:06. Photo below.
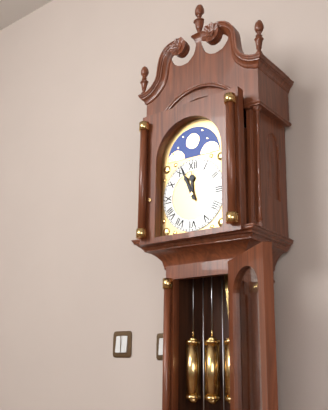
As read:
11:56
